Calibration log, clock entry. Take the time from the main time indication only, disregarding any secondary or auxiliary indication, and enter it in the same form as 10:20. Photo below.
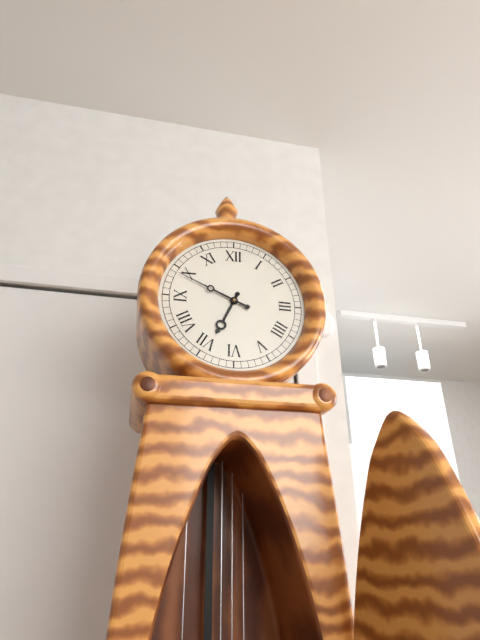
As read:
6:49
